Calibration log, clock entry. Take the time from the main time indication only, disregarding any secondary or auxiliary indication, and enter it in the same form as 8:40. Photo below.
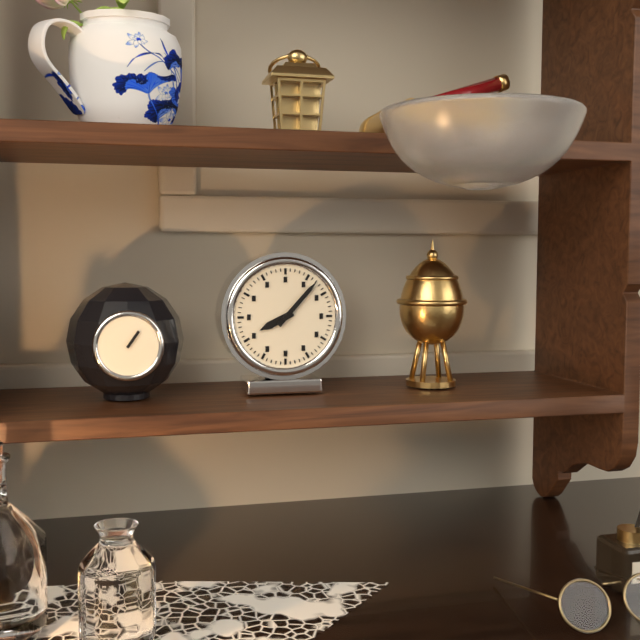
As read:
8:07
